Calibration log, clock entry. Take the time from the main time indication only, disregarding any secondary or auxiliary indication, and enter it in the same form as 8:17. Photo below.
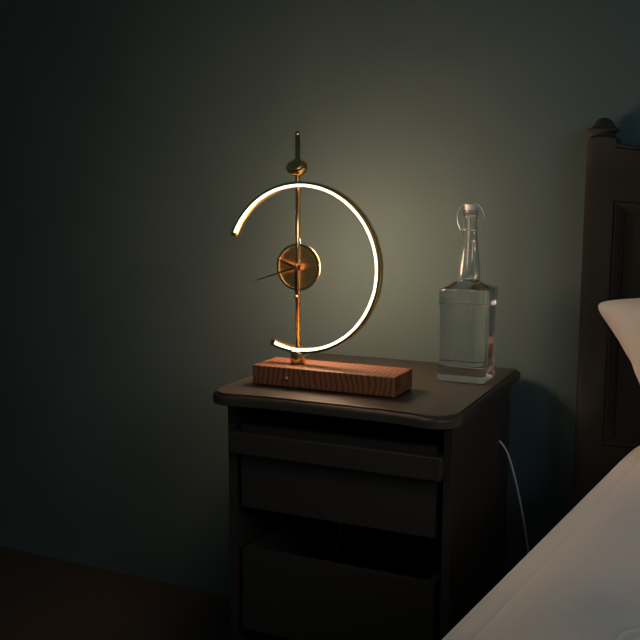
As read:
9:42
